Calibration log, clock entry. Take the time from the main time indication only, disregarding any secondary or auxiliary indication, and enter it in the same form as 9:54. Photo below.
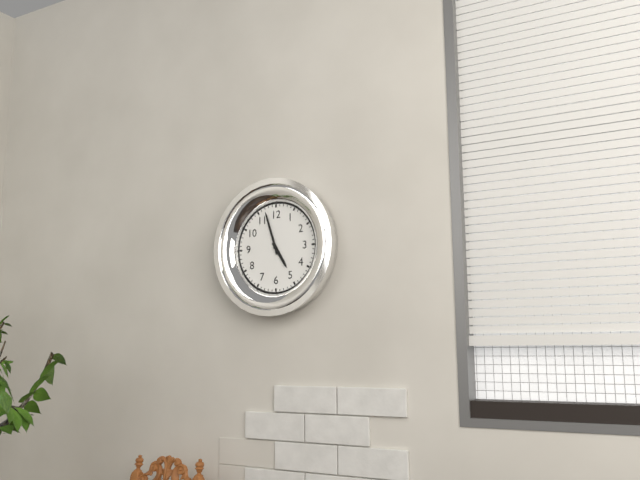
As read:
4:57
